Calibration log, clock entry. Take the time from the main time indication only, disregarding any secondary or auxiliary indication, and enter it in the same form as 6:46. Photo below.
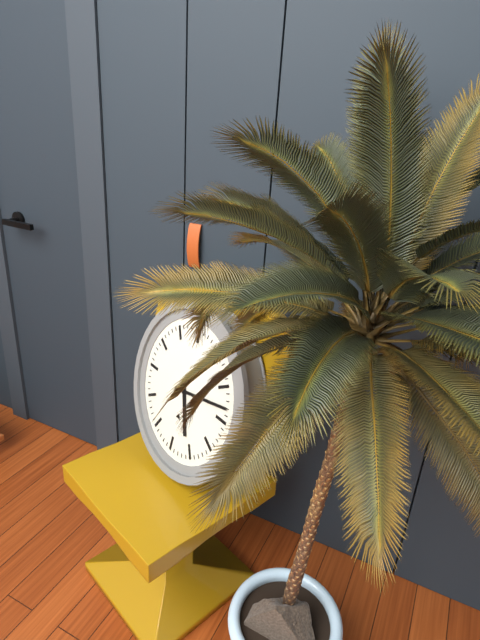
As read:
5:13
